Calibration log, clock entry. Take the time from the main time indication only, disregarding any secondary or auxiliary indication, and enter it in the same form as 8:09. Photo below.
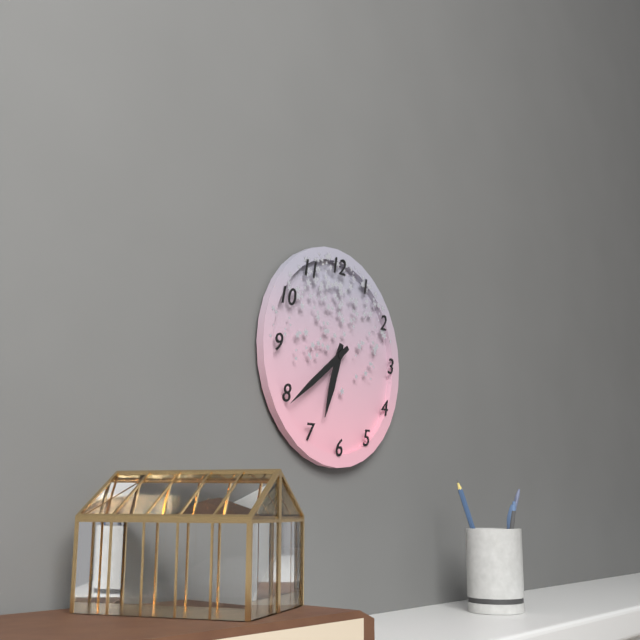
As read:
6:39
